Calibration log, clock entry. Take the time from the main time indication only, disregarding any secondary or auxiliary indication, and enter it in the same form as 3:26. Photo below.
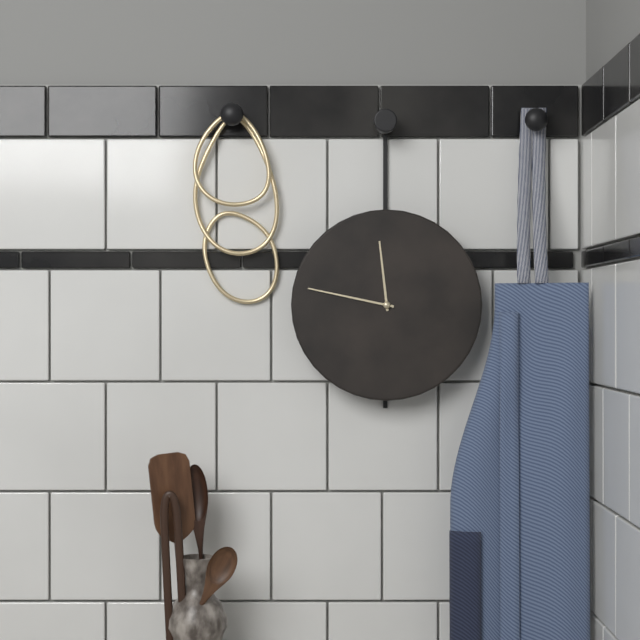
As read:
11:47
